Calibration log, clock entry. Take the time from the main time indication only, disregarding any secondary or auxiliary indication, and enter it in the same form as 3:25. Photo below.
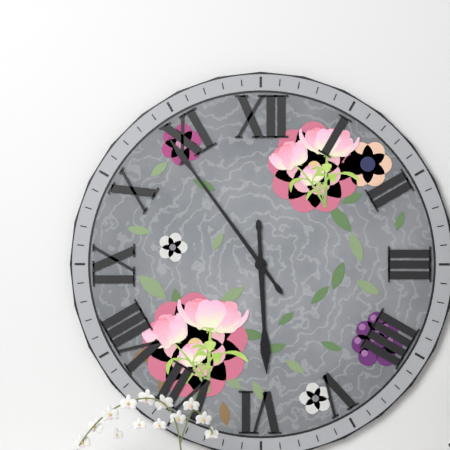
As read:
5:54
